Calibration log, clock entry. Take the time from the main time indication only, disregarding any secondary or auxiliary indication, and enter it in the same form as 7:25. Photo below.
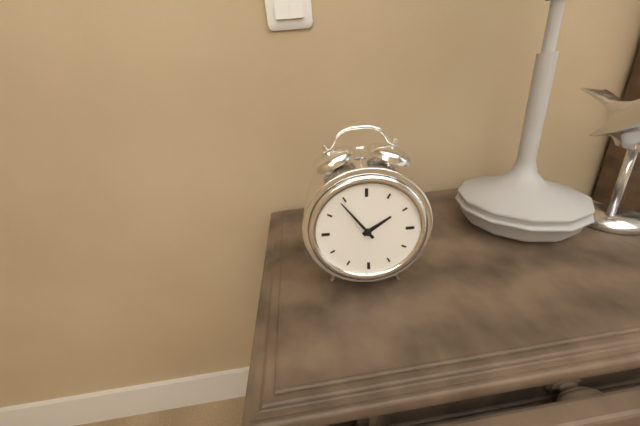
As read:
1:54
